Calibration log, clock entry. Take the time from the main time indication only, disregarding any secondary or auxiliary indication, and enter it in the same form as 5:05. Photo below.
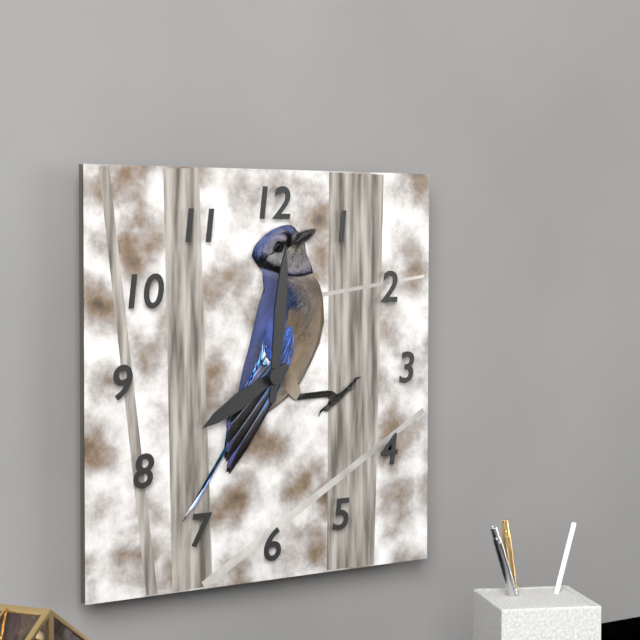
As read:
8:01
